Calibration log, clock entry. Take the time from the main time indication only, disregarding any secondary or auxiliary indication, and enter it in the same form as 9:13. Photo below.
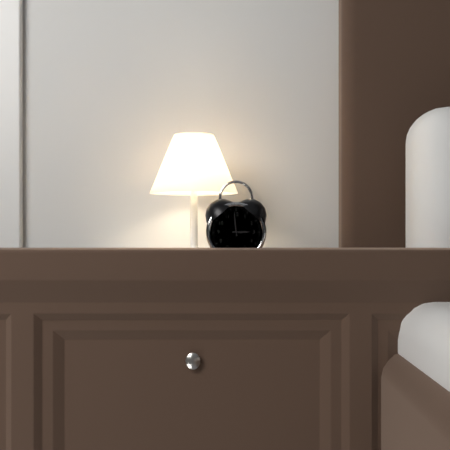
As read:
2:59
